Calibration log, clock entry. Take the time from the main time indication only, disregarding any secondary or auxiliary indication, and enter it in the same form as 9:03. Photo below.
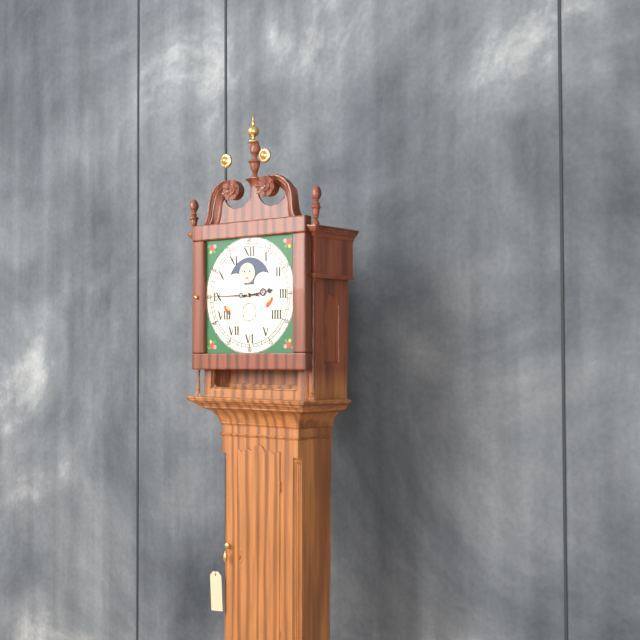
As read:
2:45
